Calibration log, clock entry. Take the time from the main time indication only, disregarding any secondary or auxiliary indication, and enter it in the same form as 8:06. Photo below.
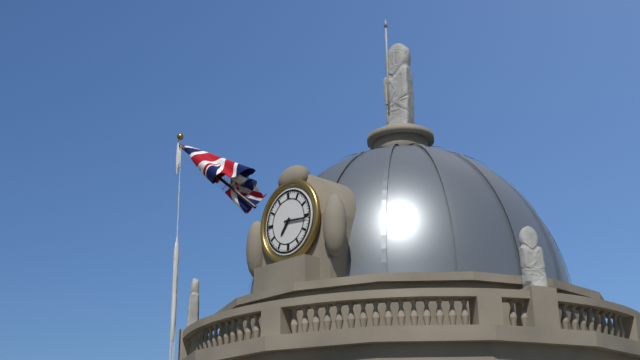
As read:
7:16
